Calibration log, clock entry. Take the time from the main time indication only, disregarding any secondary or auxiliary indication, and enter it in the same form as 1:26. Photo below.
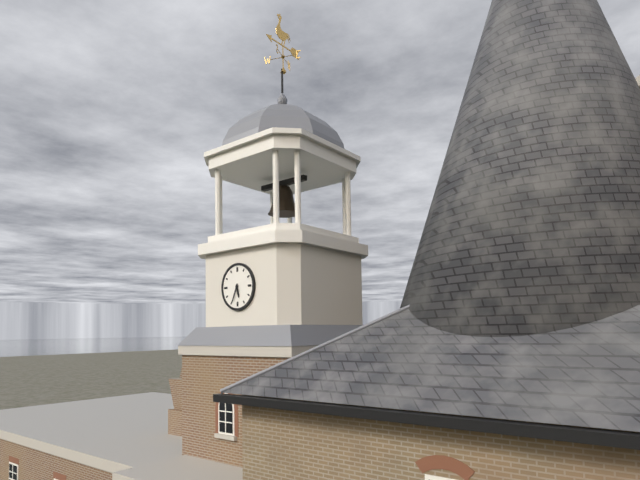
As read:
5:34
